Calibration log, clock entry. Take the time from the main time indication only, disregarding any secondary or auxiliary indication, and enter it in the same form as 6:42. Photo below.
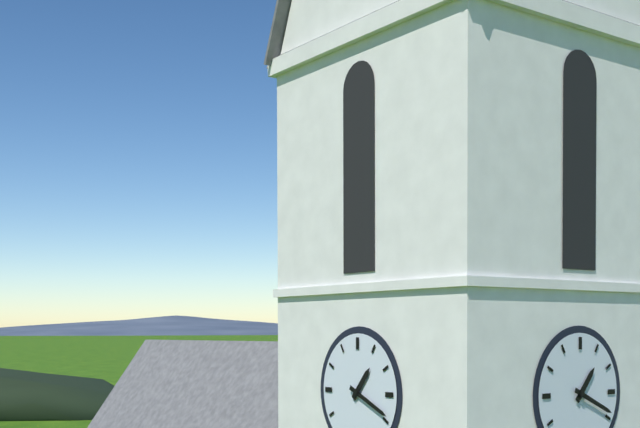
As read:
1:19
